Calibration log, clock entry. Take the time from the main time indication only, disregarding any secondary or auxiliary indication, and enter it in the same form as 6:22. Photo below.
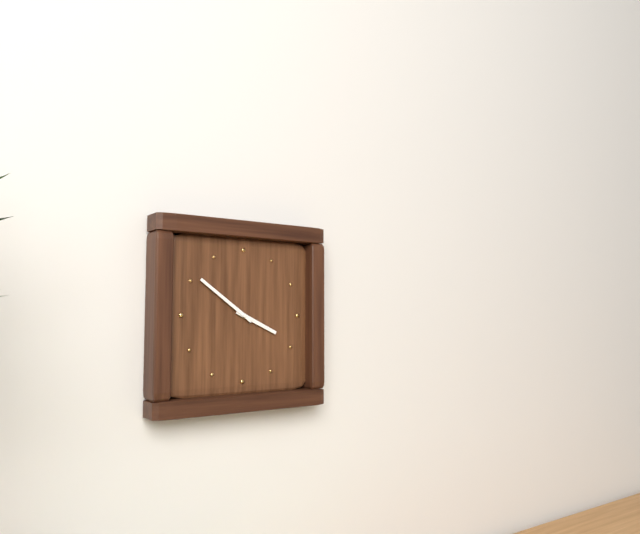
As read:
3:51
